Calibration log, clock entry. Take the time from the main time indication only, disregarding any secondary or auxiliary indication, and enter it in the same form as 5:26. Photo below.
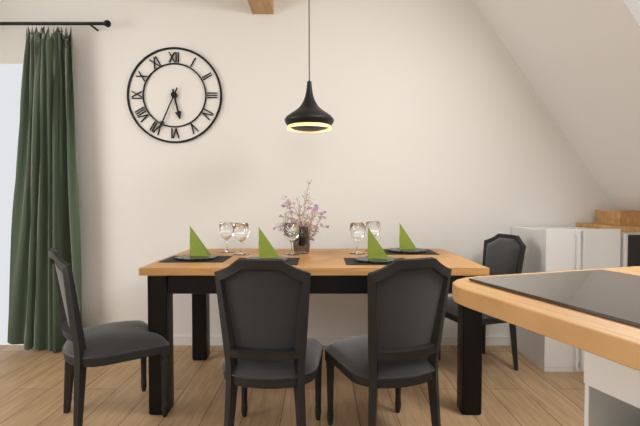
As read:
5:34
